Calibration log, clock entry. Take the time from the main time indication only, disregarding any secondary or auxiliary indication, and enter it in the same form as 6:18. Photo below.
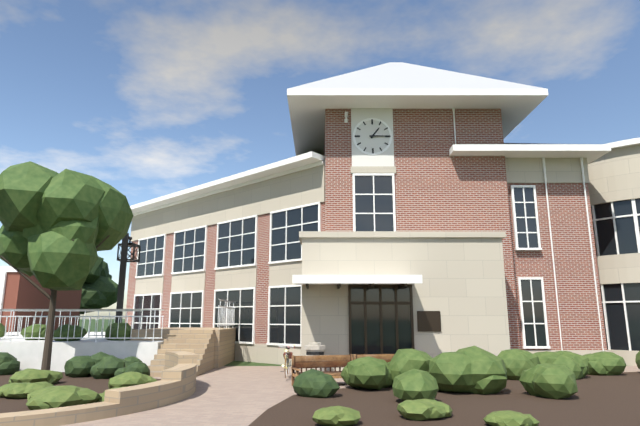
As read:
1:15
